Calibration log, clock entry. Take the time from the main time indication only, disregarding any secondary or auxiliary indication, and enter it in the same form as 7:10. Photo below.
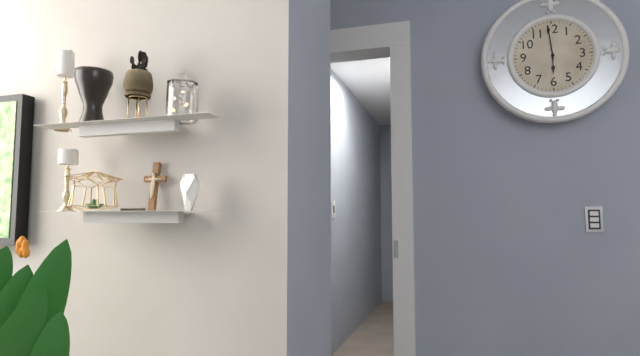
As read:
5:59
